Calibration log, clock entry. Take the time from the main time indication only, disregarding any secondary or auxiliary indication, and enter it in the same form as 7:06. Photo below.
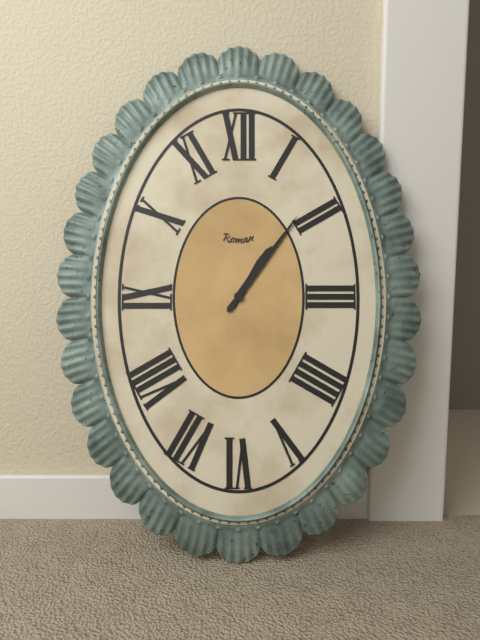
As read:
1:06
